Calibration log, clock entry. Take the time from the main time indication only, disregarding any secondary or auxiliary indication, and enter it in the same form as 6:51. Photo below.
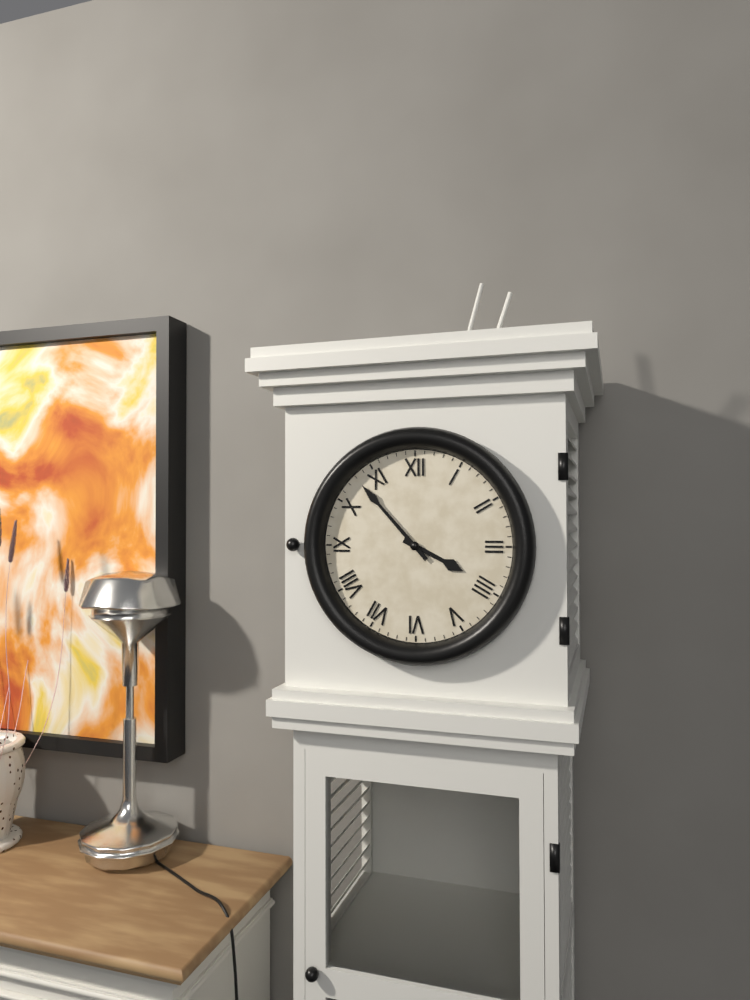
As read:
3:53
